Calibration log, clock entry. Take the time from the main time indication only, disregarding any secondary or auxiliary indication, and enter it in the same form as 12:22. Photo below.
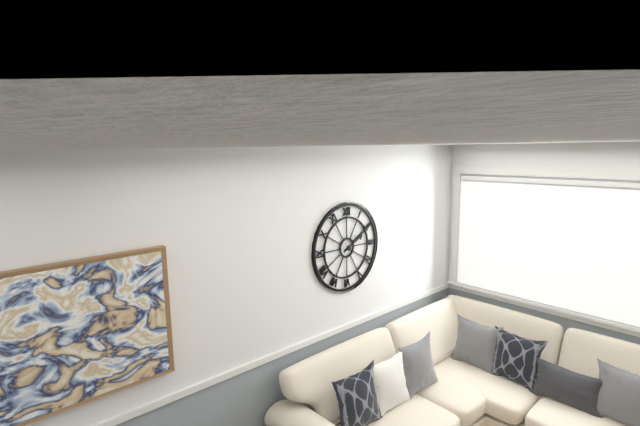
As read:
2:10
